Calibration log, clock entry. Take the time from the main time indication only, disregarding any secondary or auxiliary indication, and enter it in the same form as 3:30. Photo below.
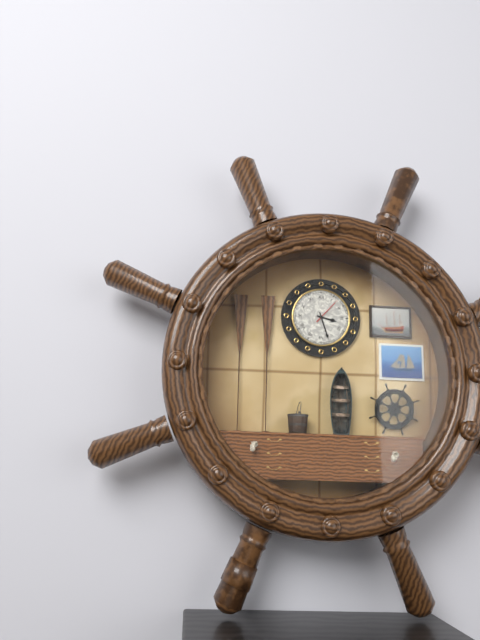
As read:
3:27
